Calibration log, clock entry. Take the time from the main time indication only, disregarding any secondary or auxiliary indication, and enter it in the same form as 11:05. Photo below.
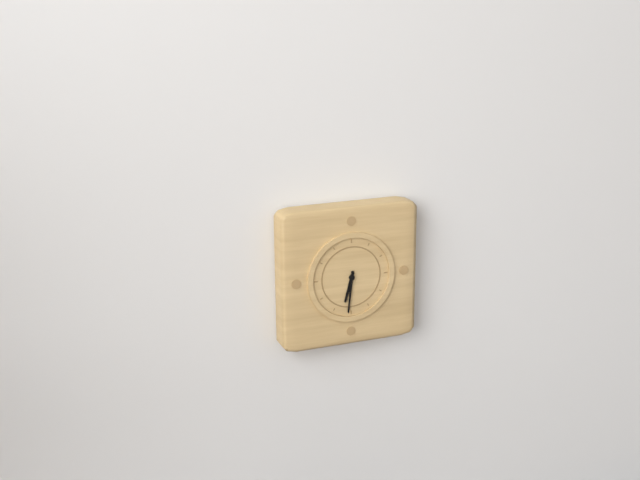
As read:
6:31
